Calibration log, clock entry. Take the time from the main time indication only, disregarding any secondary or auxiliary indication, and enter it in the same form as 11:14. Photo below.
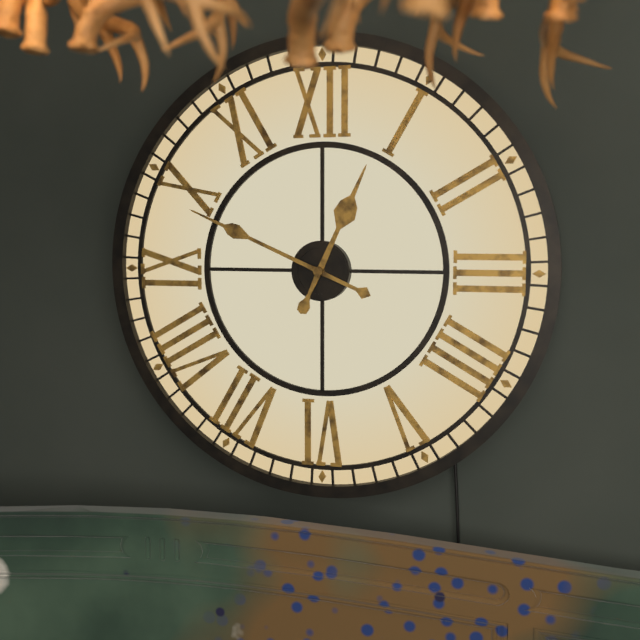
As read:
12:49
